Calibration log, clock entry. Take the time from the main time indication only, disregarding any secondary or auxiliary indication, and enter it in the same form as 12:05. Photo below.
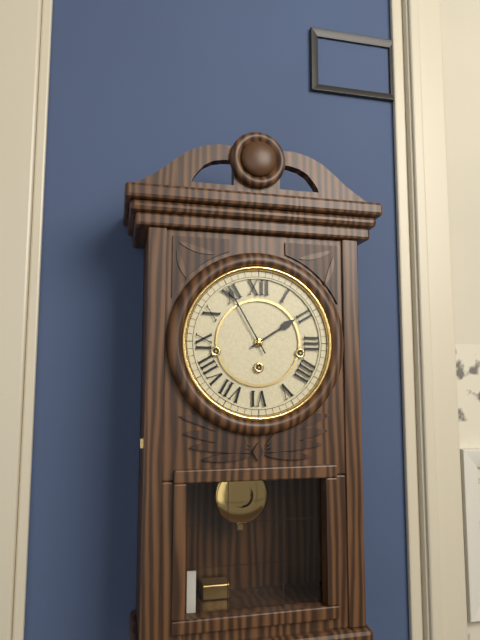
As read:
1:55
